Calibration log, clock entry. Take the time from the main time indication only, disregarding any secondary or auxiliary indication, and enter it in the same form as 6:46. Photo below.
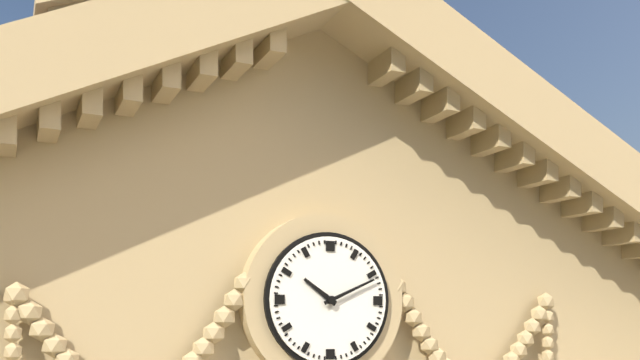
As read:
10:11
